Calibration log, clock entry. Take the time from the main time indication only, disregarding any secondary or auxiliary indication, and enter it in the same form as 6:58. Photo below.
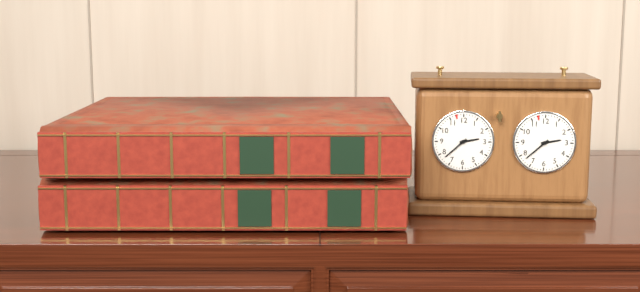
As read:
2:38
